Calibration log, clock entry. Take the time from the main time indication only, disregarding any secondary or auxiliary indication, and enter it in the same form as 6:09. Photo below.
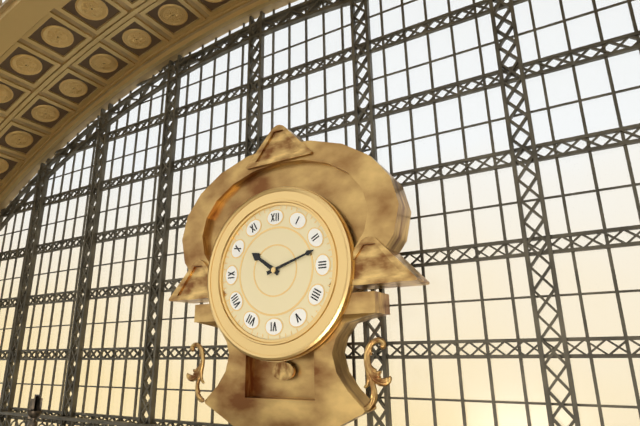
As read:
10:12
